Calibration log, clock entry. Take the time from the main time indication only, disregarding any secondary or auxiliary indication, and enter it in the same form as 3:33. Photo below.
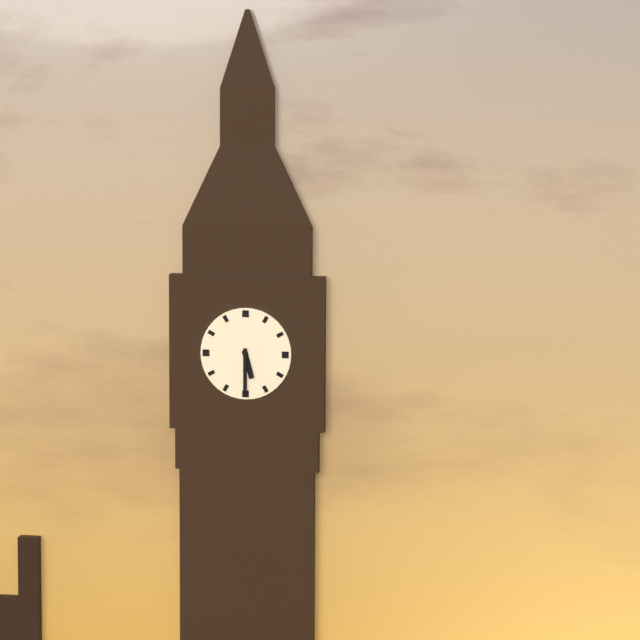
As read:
5:30
